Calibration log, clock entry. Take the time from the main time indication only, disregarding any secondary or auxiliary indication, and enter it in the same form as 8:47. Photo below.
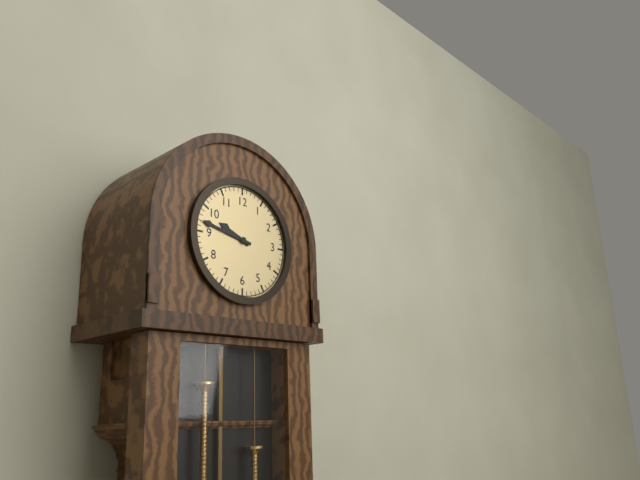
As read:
9:47
